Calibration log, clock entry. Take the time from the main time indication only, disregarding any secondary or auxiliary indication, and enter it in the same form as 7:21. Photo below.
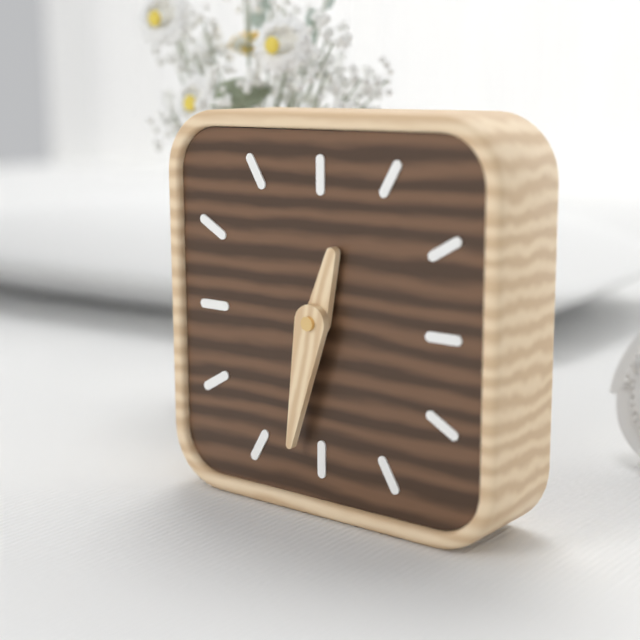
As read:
12:32
